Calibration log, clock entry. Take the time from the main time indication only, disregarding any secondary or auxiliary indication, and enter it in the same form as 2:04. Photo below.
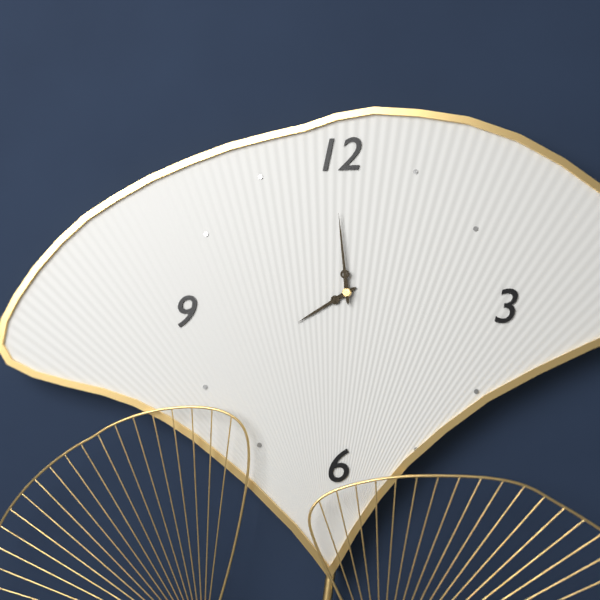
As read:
7:59
